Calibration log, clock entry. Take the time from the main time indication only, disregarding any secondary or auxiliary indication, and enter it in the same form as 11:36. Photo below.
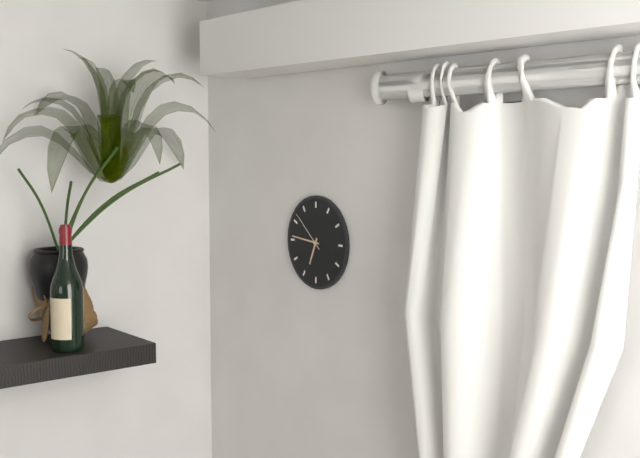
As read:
6:46
